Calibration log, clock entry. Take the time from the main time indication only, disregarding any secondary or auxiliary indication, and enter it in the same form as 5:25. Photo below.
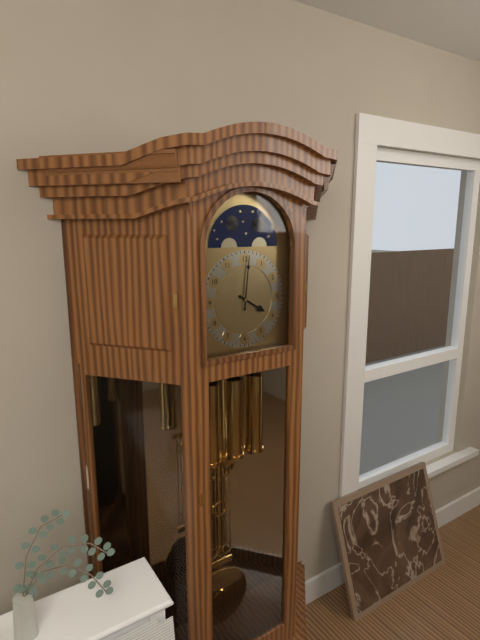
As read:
4:01
